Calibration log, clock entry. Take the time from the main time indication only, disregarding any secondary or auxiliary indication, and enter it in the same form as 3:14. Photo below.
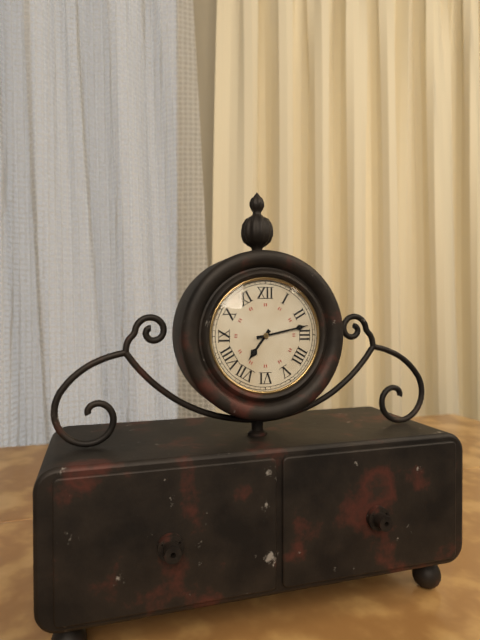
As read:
7:13
